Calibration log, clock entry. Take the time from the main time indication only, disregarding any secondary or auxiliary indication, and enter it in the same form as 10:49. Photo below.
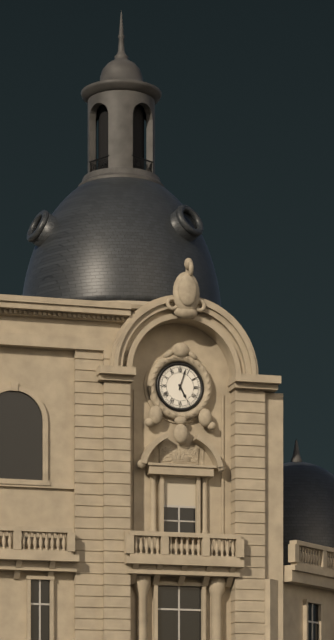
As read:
5:03
